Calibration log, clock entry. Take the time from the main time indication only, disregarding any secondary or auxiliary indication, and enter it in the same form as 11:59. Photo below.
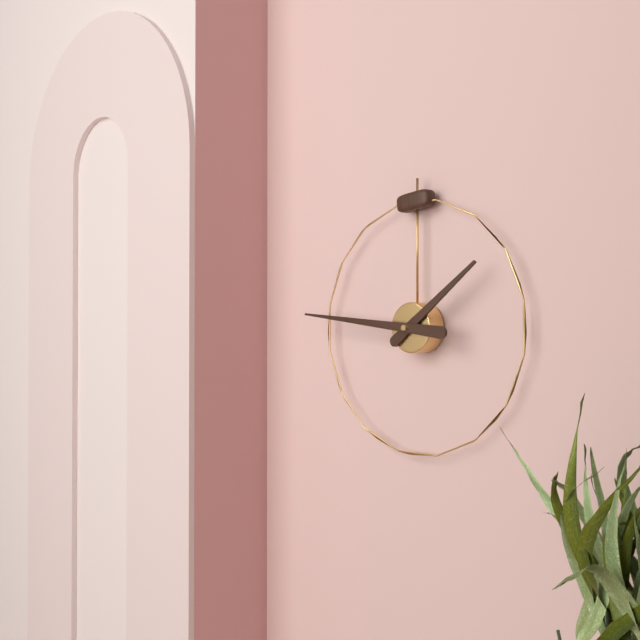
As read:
1:46
